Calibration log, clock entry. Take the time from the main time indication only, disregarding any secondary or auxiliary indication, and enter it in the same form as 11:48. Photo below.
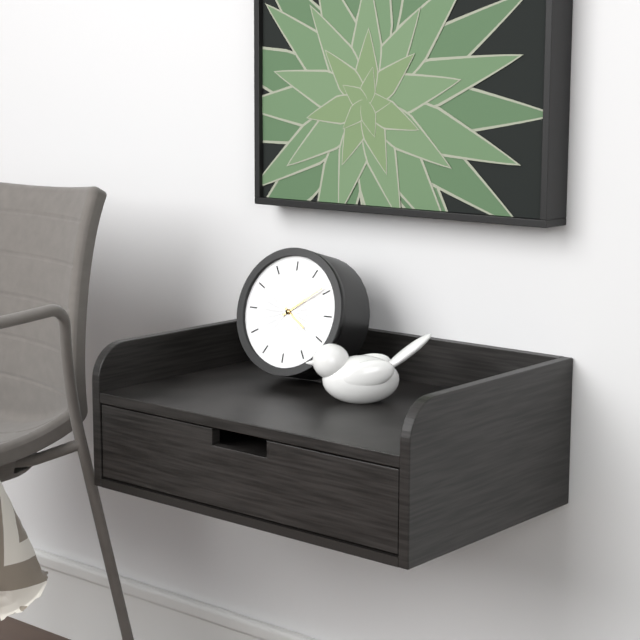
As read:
4:09
